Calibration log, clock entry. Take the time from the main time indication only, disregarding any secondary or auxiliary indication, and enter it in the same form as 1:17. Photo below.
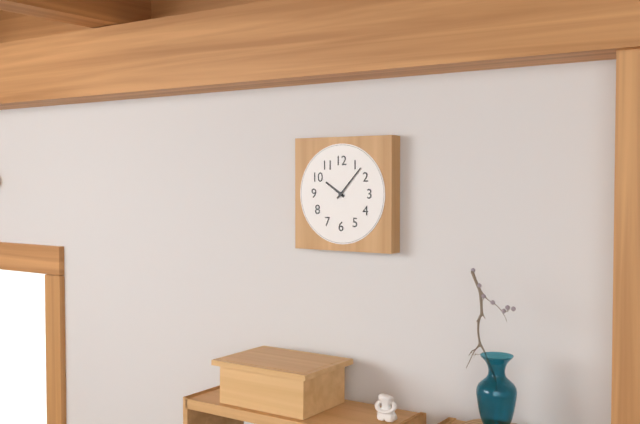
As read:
10:07
